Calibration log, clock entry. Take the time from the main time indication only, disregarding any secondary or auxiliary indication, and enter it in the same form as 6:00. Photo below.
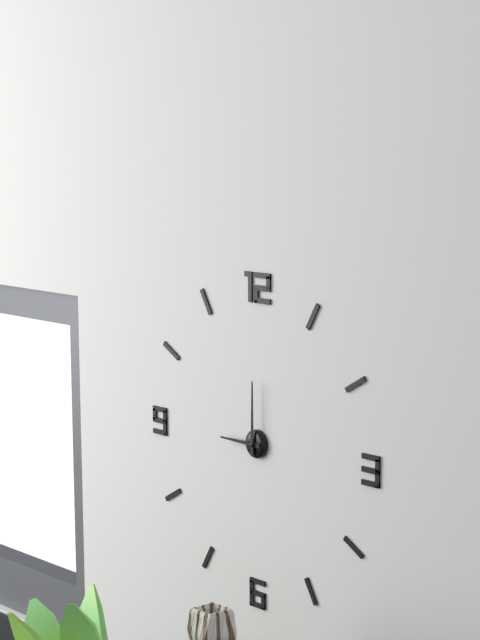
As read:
9:00
